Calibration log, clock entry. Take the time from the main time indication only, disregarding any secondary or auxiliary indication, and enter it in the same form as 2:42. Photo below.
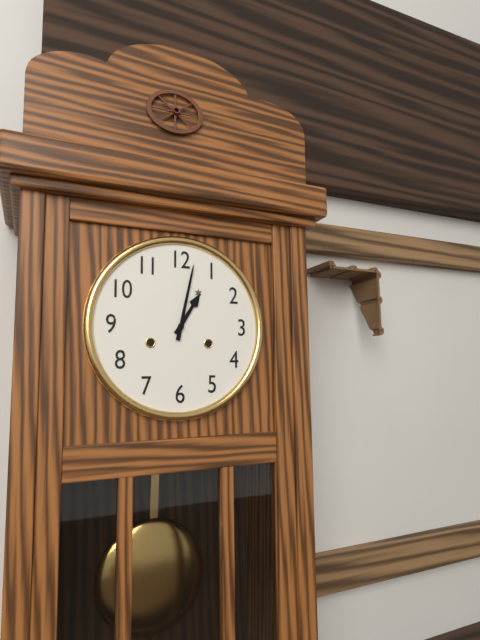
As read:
1:02
